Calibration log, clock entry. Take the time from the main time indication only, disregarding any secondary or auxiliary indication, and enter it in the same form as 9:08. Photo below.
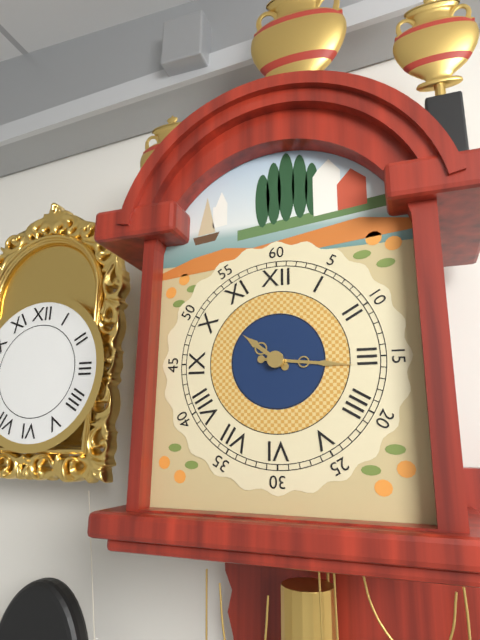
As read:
10:16
